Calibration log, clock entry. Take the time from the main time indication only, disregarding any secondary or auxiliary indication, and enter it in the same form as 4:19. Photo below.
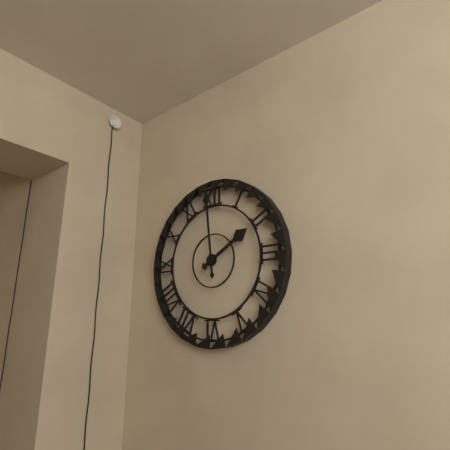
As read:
1:59
